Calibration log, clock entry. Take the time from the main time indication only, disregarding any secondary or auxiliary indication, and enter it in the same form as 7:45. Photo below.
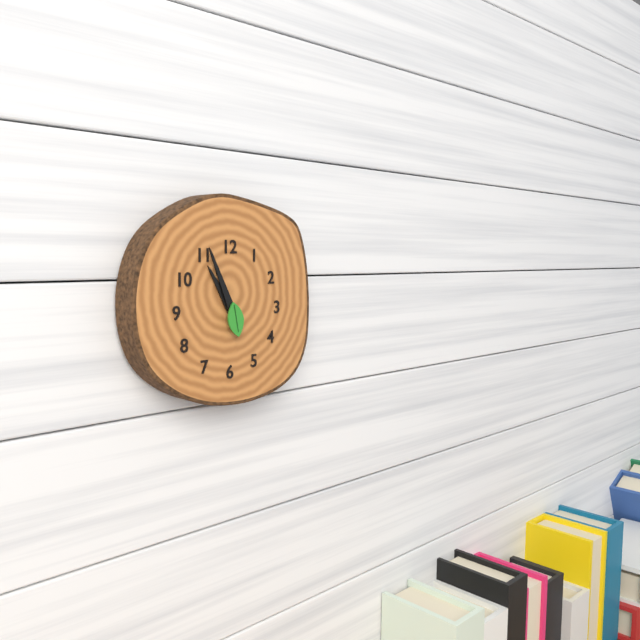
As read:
10:56
